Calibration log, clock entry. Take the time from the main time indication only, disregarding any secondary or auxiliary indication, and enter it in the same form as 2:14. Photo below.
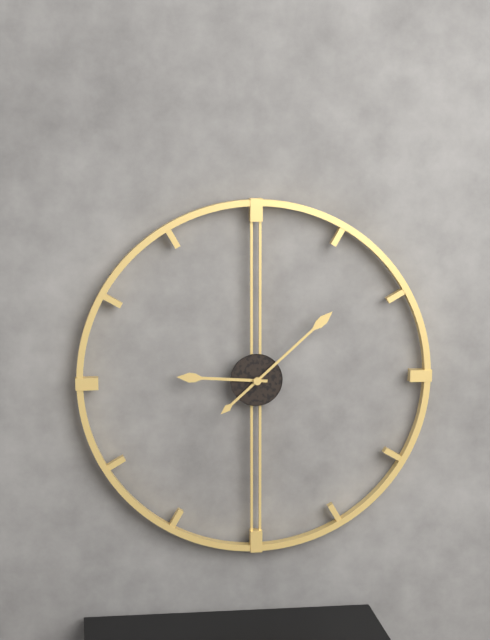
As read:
9:08
